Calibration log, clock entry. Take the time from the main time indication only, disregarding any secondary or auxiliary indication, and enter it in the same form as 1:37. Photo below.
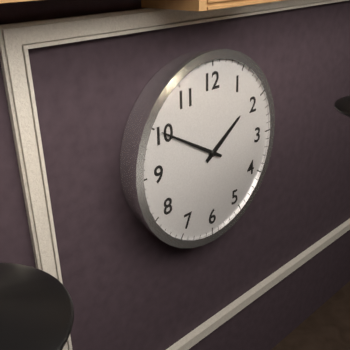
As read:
1:50
